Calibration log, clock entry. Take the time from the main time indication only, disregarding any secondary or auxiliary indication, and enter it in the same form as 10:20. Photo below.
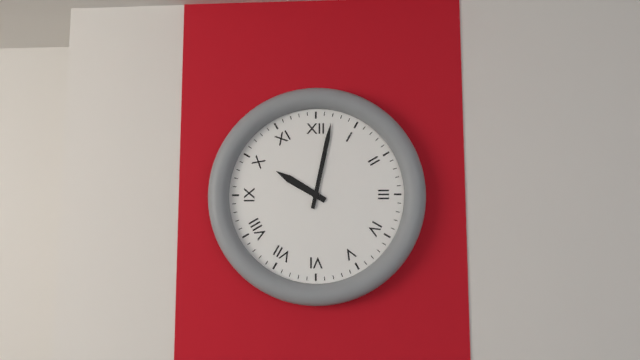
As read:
10:02
